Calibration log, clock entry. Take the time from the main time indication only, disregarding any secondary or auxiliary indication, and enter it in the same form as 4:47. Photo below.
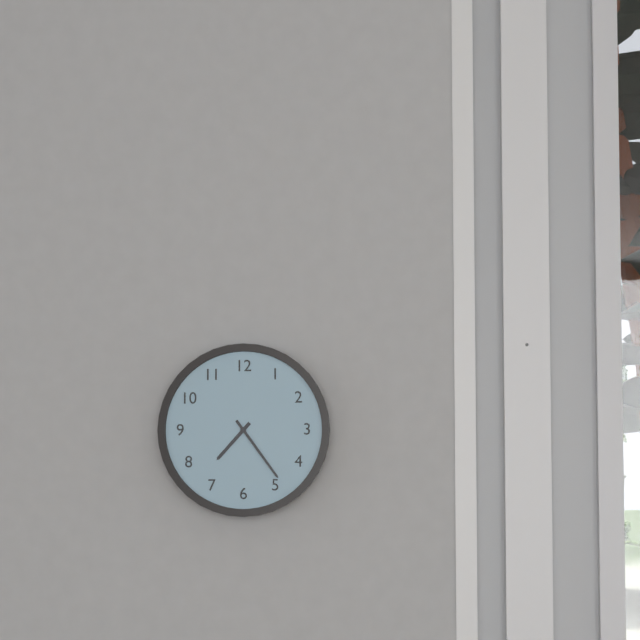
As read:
7:24
